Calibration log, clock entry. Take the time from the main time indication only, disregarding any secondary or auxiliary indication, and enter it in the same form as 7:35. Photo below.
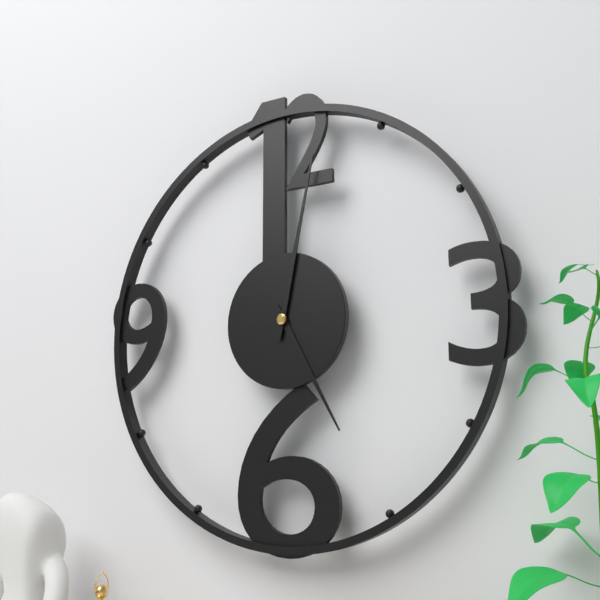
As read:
5:02
